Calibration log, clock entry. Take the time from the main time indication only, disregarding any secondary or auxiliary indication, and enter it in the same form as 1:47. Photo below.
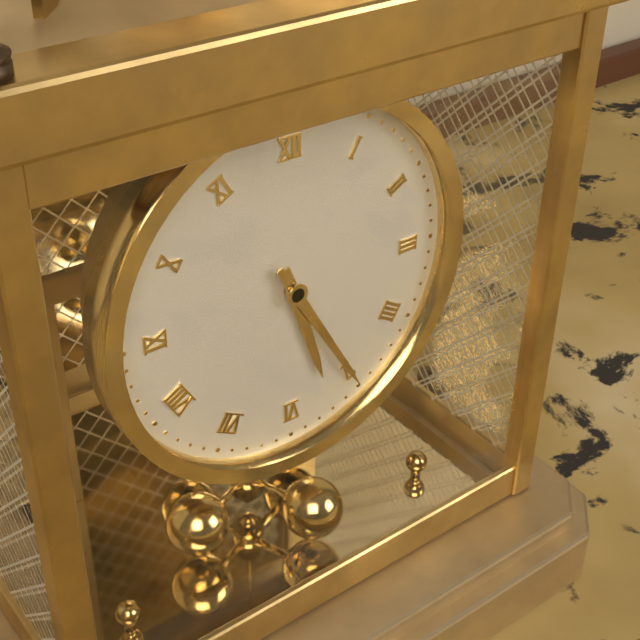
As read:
5:25
